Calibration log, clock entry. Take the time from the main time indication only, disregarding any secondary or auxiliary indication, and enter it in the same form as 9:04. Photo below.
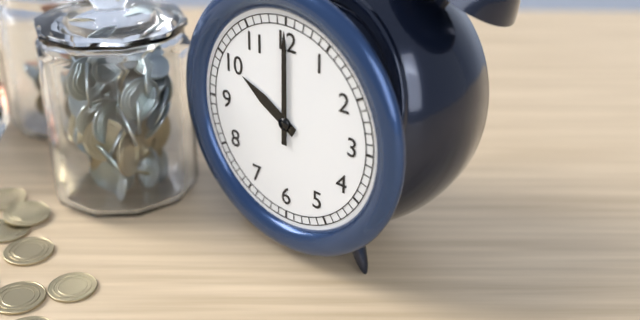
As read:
10:00
